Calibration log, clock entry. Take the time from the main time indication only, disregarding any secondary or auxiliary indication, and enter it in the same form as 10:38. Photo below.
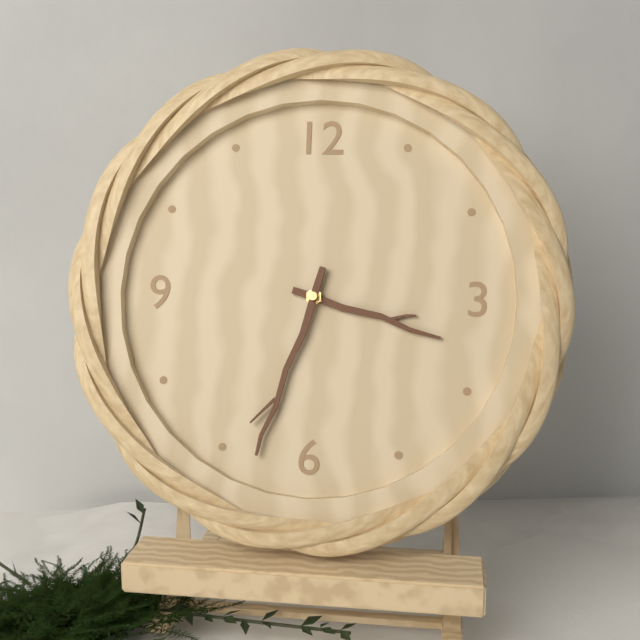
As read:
3:33
